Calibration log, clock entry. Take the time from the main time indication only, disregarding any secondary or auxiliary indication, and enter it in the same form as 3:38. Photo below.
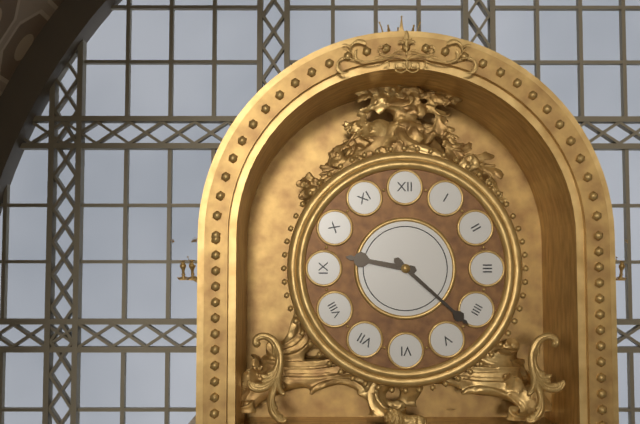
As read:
9:22
